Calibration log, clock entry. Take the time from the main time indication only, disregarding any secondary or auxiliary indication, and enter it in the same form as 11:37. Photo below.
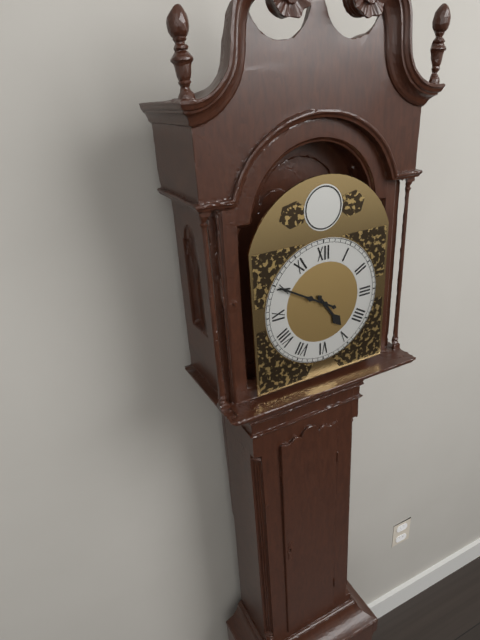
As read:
4:50
